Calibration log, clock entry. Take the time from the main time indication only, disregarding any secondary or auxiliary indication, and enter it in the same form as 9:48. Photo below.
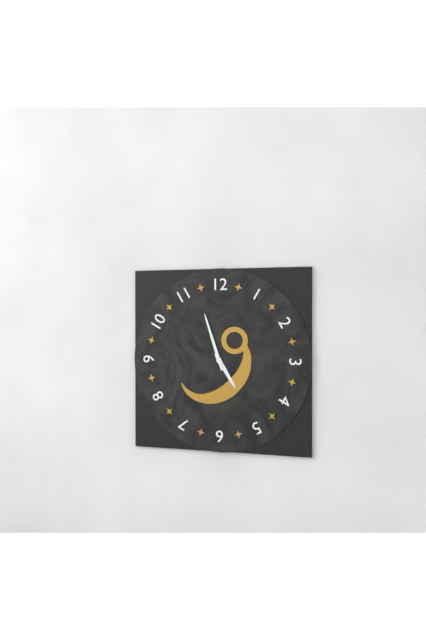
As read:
4:57
